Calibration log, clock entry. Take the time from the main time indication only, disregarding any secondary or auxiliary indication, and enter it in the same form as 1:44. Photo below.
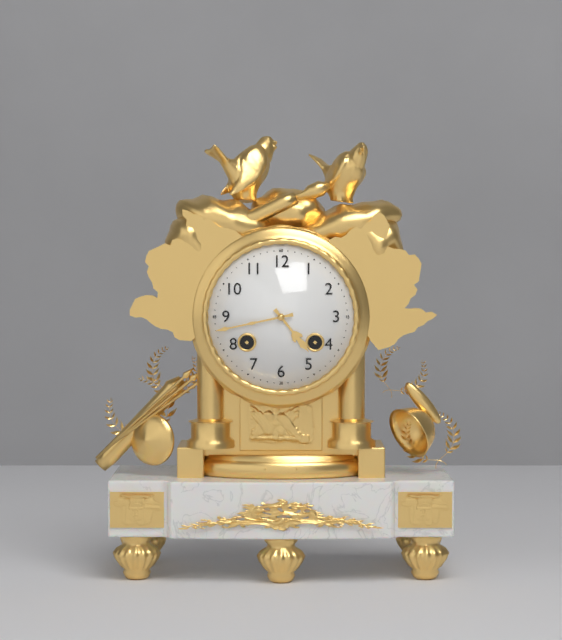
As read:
4:43
